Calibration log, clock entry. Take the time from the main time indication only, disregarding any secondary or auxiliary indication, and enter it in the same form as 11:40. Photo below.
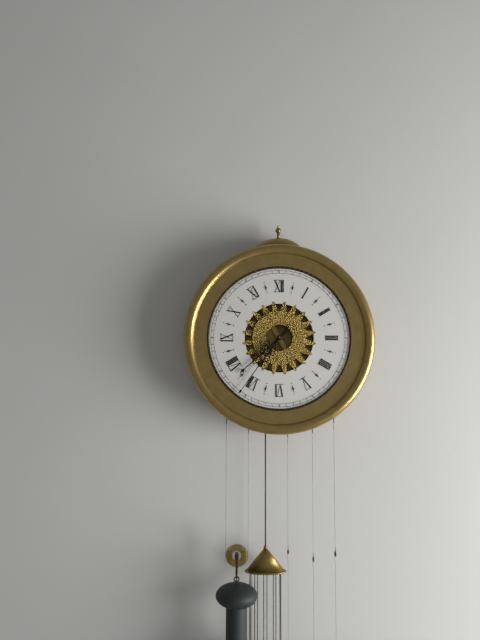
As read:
7:36
